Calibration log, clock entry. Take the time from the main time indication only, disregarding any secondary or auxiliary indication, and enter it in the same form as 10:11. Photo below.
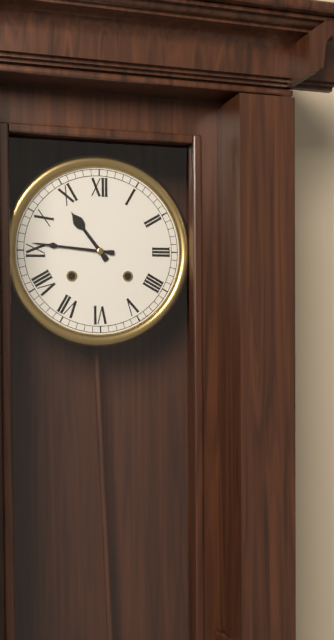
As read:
10:46
